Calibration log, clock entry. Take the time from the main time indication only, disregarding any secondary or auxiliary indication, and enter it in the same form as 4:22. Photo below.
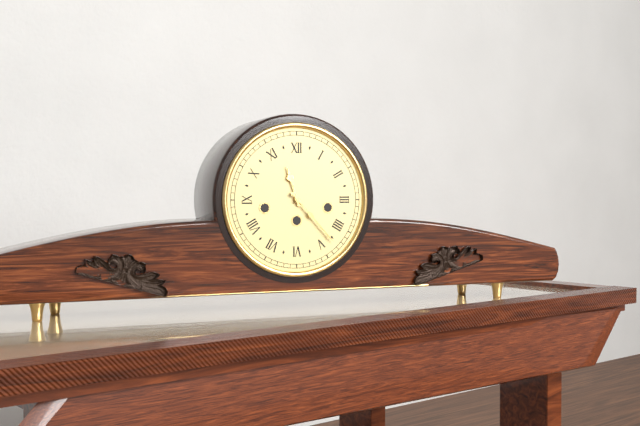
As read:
11:23
